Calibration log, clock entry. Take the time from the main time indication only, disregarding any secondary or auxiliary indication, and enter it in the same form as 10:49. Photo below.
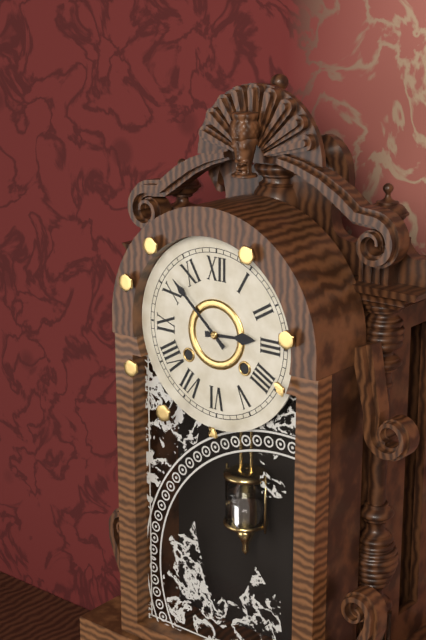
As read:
2:52
